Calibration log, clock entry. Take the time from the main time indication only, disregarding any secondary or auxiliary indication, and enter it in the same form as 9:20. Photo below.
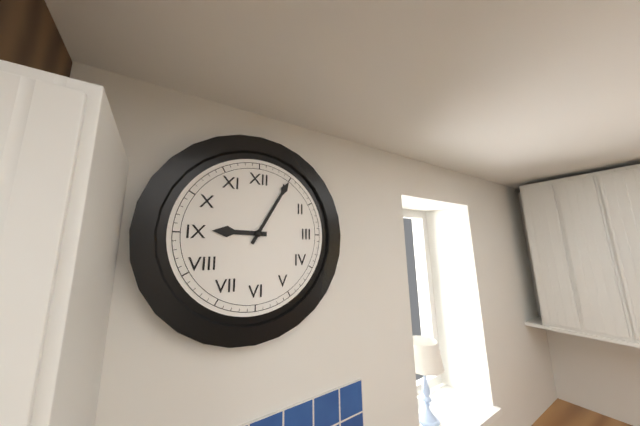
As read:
9:05
